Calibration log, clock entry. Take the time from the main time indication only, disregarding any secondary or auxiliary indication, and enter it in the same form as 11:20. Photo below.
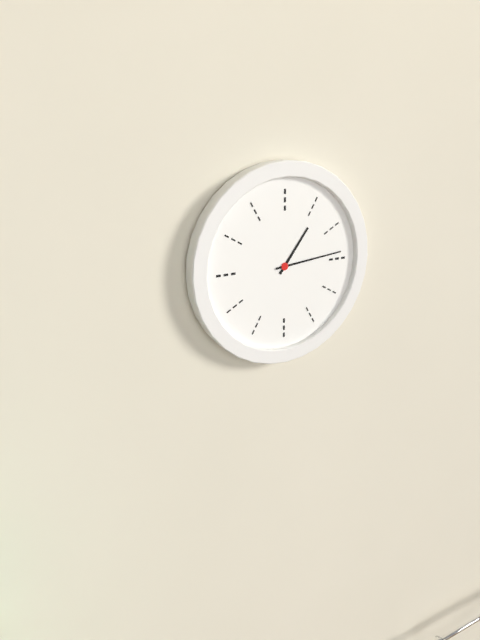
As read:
1:14
